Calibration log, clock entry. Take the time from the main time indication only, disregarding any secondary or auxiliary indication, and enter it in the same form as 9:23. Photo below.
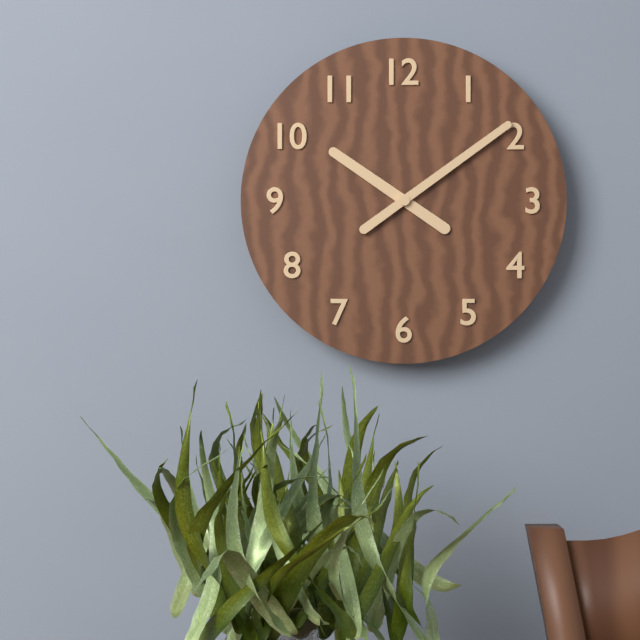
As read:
10:09
